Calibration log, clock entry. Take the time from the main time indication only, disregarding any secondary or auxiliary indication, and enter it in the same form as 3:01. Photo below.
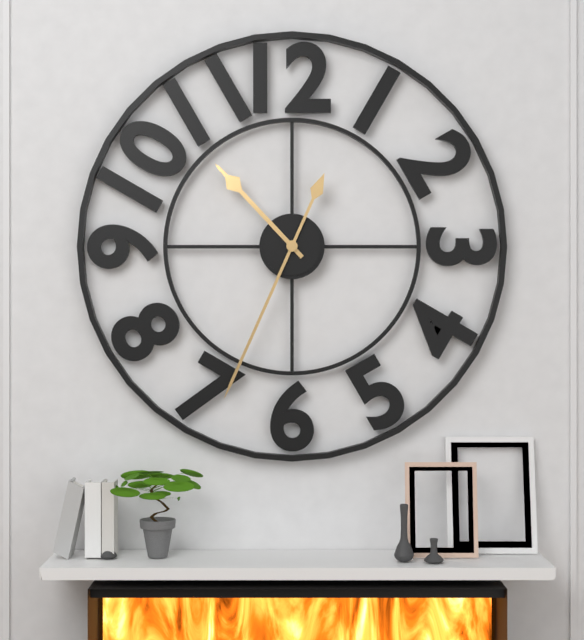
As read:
10:34
